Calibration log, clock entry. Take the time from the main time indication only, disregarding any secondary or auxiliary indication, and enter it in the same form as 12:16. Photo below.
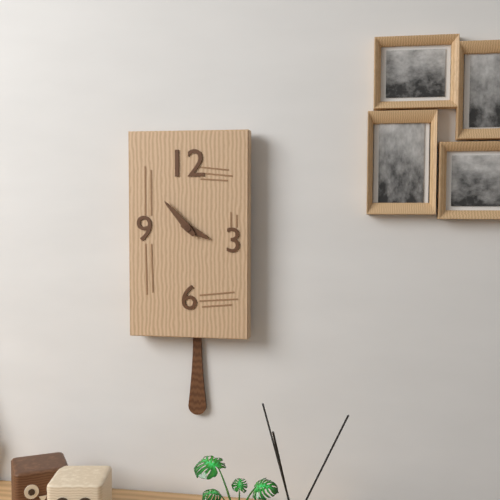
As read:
3:53
